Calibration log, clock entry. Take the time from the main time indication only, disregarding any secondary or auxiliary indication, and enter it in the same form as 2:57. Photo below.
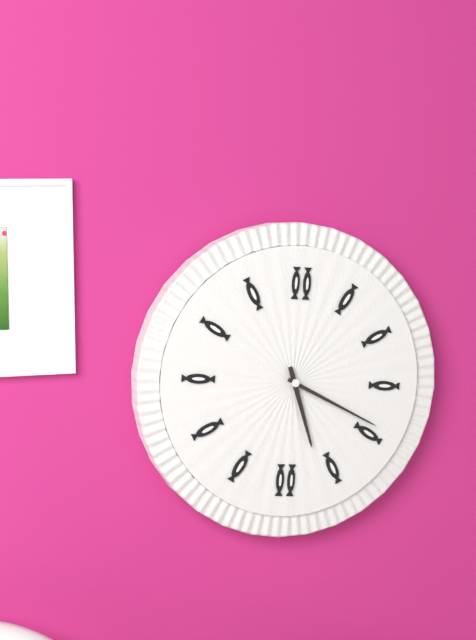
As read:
5:19
